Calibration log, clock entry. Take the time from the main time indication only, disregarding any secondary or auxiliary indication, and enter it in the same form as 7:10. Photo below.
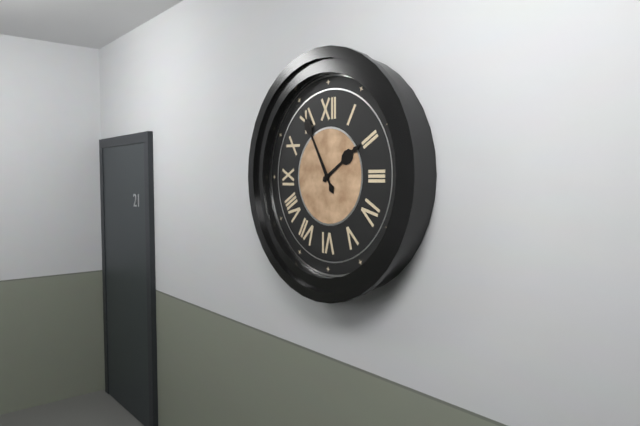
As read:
1:55
